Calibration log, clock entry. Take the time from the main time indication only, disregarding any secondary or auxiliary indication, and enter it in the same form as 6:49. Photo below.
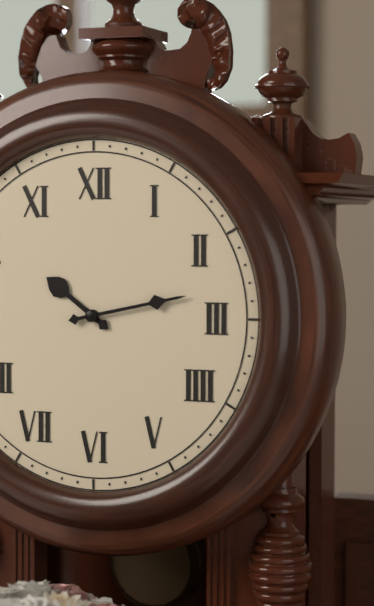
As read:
10:13
